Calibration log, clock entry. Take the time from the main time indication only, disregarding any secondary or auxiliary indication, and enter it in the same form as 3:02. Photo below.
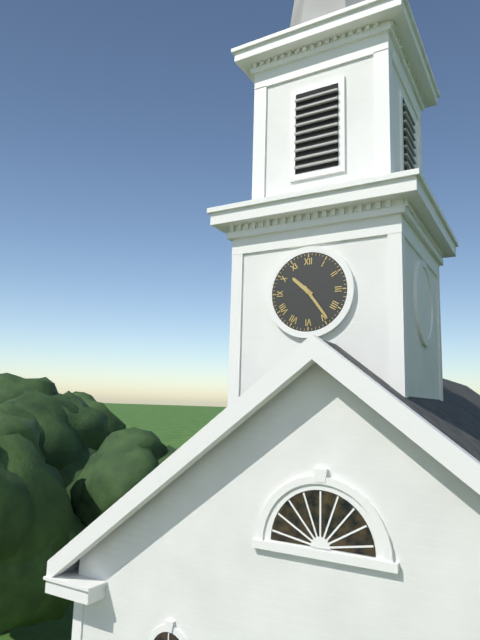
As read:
10:24
